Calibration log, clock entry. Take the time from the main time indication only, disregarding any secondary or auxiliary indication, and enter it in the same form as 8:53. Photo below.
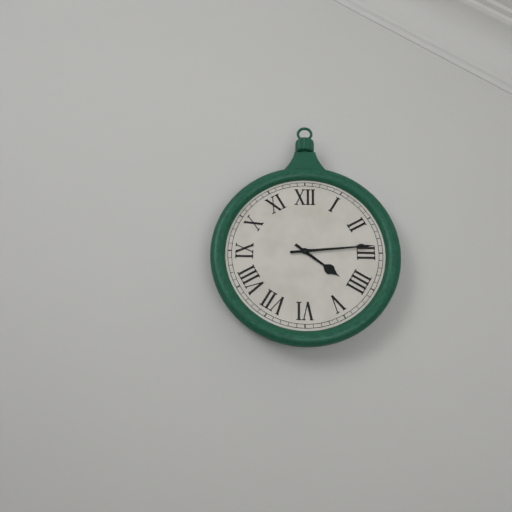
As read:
4:14
